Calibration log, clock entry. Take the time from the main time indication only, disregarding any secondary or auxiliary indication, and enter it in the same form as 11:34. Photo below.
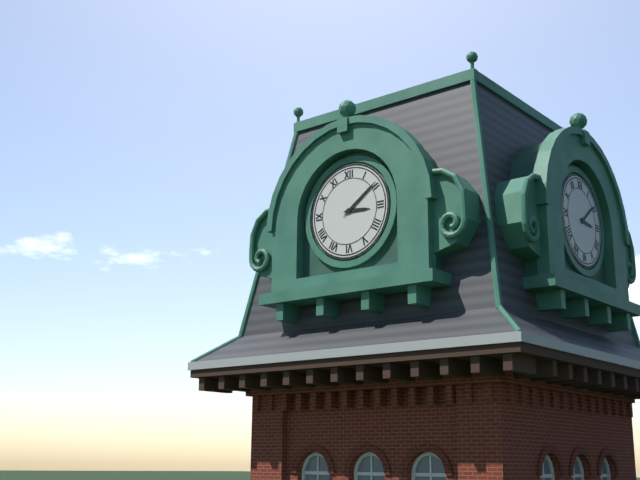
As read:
3:09
